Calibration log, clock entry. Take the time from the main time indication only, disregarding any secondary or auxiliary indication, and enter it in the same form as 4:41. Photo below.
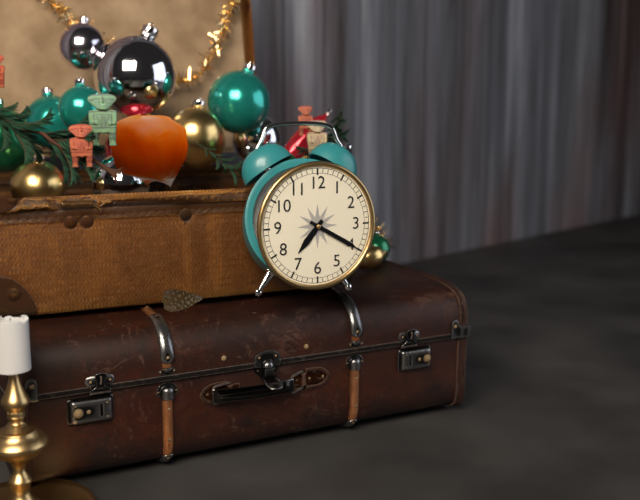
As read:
7:20
